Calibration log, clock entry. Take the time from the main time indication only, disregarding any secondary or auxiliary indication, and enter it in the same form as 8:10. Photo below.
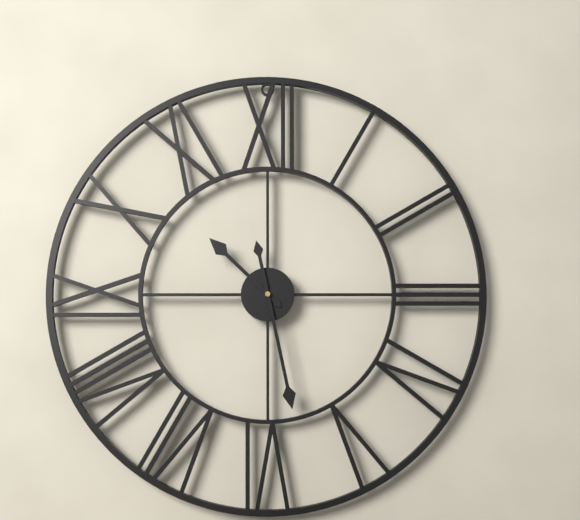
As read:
10:28
